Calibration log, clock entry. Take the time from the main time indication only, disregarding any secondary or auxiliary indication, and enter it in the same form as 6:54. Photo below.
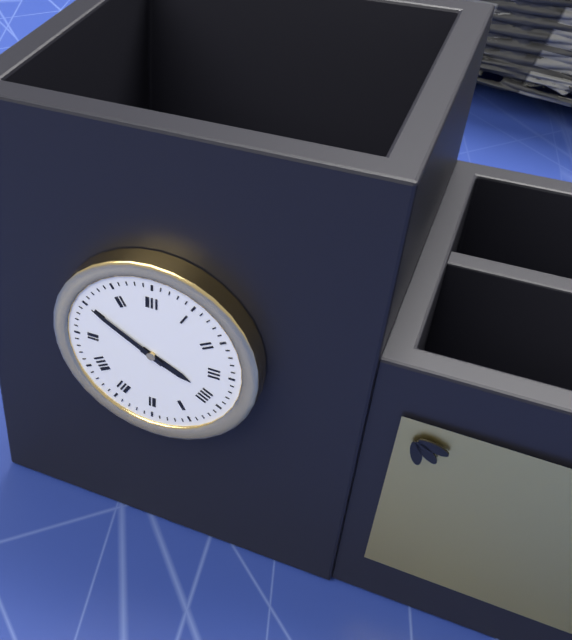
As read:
3:50
